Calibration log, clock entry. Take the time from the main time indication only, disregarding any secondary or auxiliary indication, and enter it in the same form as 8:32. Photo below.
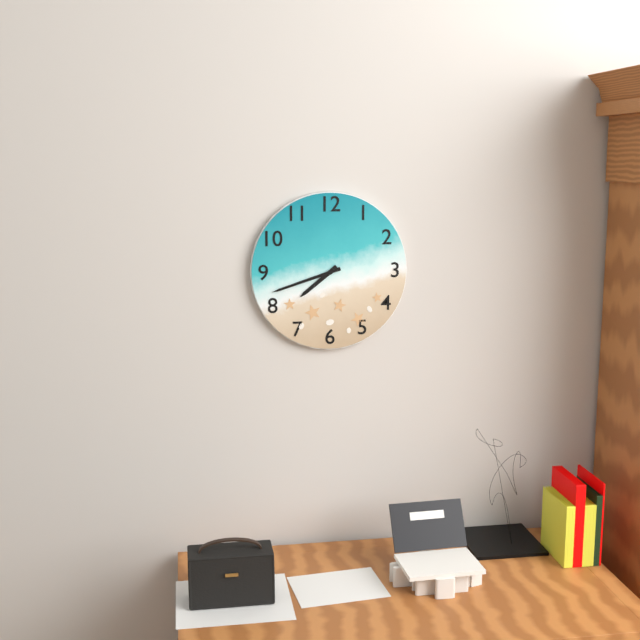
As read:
7:42
